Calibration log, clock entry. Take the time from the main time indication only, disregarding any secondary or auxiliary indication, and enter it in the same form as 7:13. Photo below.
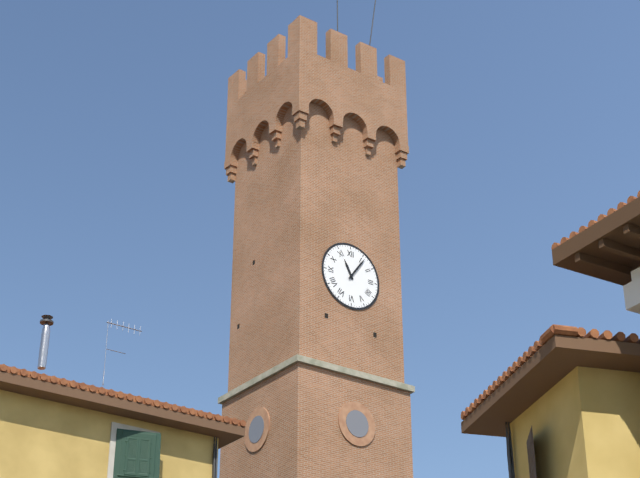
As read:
11:06
